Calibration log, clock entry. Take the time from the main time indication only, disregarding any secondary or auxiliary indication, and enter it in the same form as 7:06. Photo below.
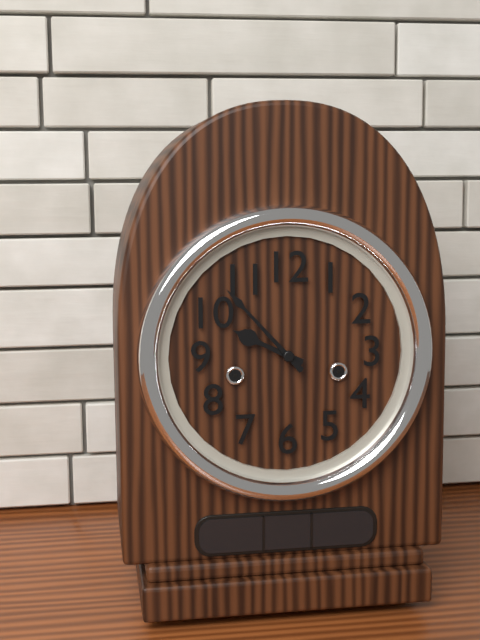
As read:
9:53
